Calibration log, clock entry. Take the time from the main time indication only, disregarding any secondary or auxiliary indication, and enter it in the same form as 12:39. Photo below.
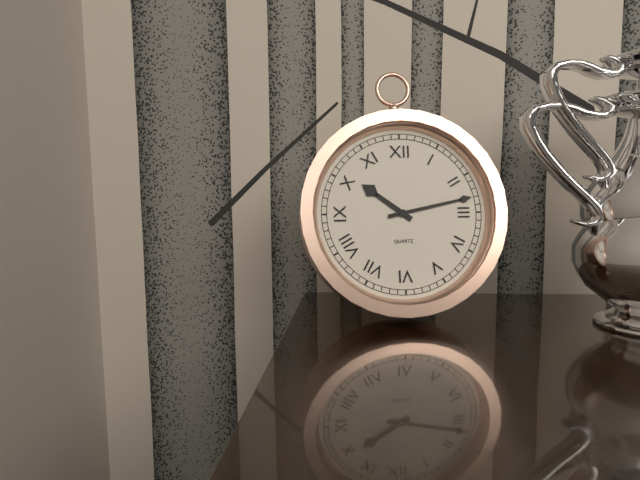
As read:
10:13
